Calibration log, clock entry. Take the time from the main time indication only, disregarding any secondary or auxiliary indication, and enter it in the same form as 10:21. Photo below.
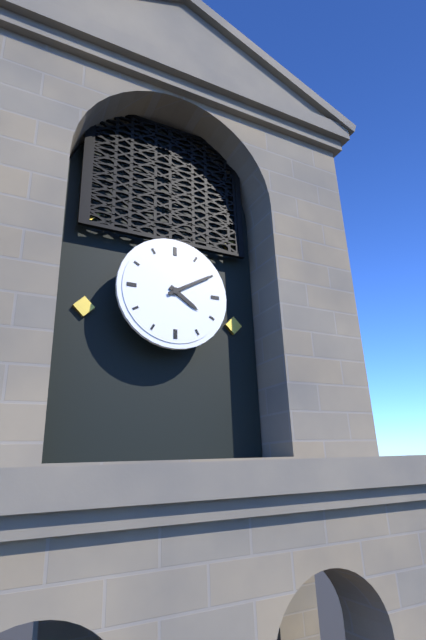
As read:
4:10
